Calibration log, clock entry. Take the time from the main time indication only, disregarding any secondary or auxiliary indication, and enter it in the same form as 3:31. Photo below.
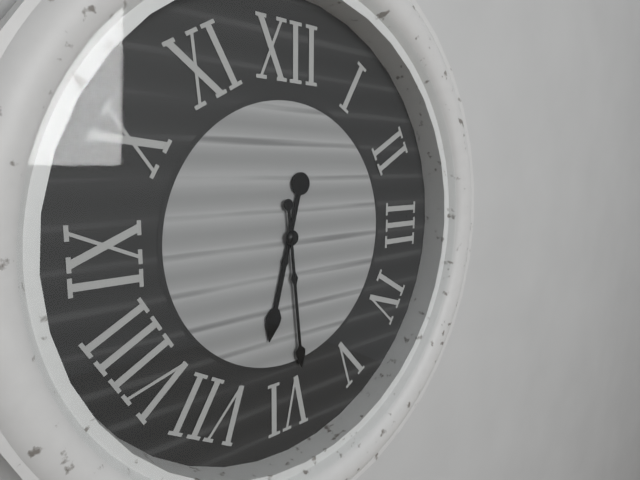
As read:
6:29
